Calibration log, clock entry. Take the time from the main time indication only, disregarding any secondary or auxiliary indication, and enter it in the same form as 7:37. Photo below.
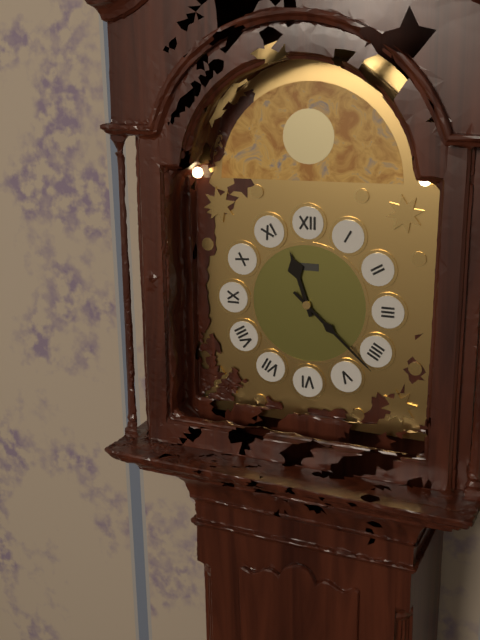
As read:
11:22
